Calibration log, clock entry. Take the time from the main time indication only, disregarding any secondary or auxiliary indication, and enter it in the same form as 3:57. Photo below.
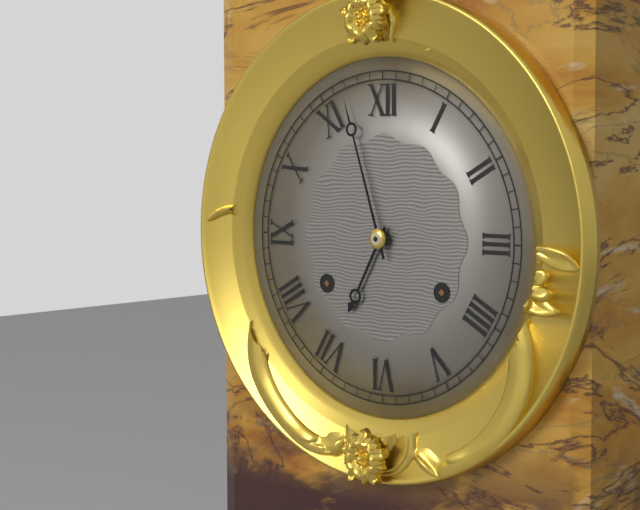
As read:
6:57
